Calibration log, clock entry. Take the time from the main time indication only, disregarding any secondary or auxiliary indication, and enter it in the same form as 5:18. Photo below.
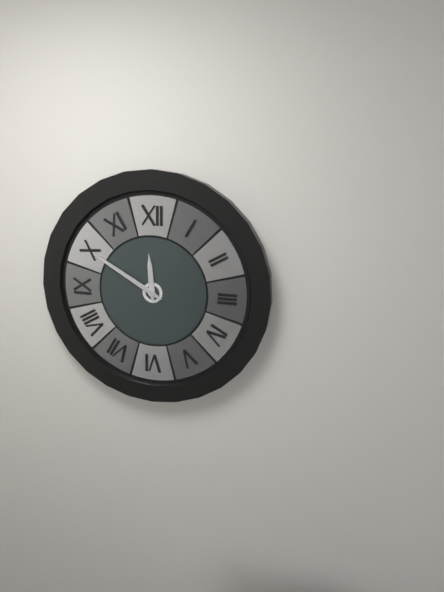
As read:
11:50
